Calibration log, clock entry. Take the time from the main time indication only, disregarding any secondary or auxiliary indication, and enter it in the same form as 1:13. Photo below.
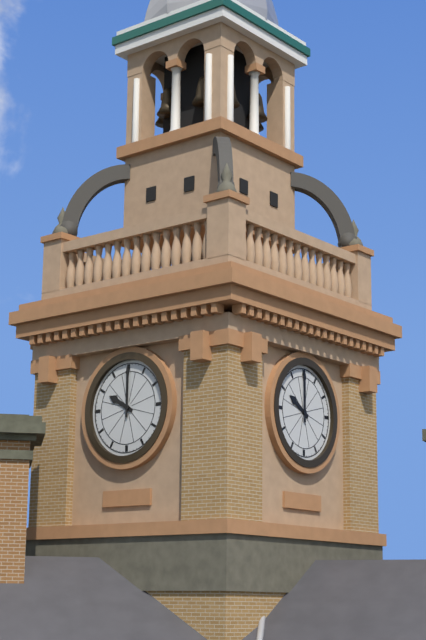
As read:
10:00
